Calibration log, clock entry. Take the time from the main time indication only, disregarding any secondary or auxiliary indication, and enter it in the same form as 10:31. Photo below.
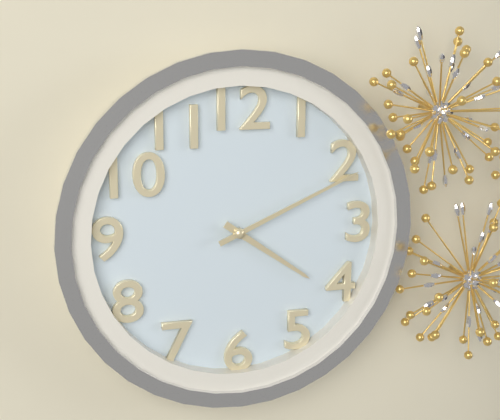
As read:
4:11
